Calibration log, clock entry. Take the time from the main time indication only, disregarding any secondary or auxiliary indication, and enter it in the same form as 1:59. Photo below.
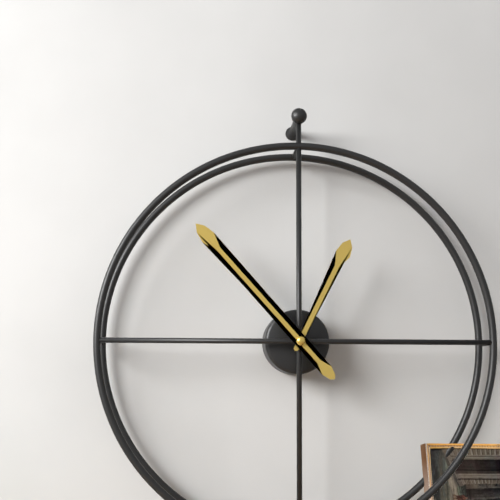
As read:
12:53
